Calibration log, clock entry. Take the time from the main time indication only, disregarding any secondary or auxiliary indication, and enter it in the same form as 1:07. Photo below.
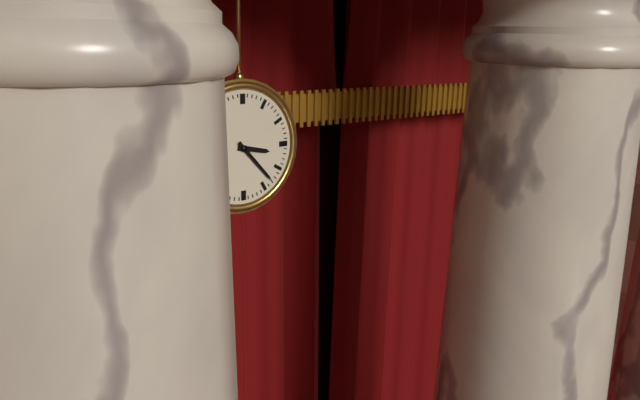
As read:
3:23
